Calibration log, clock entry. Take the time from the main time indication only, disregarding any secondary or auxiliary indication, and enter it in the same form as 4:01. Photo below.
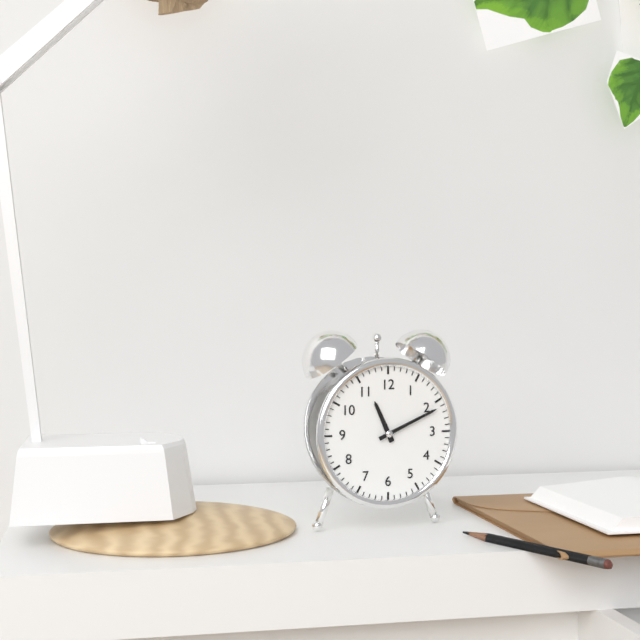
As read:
11:11
